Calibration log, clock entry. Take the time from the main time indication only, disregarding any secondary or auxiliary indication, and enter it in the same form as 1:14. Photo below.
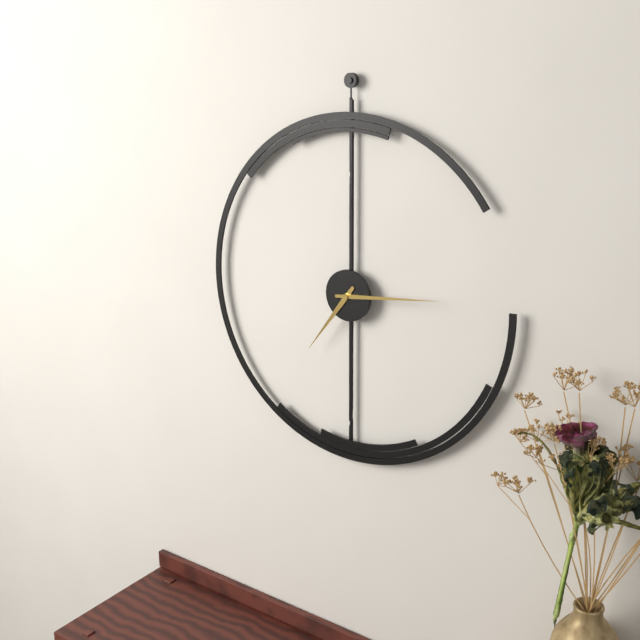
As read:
7:14
